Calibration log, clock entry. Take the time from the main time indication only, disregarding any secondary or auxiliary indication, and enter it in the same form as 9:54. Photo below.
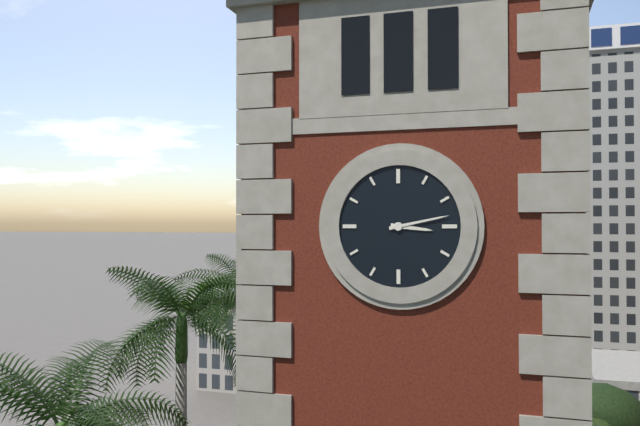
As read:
3:13
